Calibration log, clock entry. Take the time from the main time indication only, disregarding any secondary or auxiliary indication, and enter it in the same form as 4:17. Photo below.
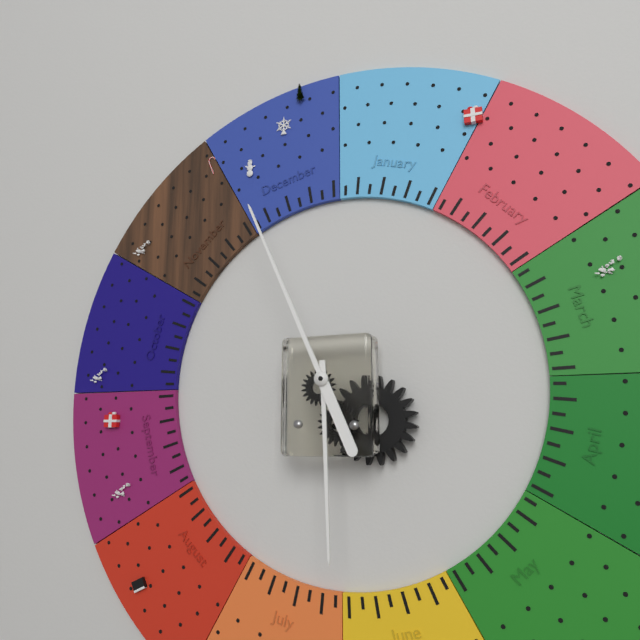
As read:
5:56
